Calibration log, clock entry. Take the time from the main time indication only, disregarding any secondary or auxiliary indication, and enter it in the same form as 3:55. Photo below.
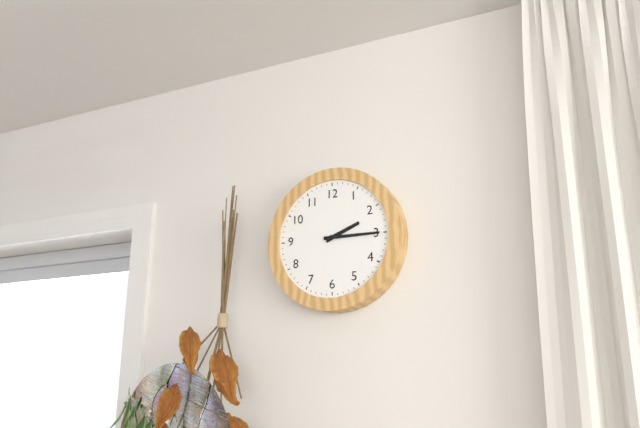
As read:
2:15
